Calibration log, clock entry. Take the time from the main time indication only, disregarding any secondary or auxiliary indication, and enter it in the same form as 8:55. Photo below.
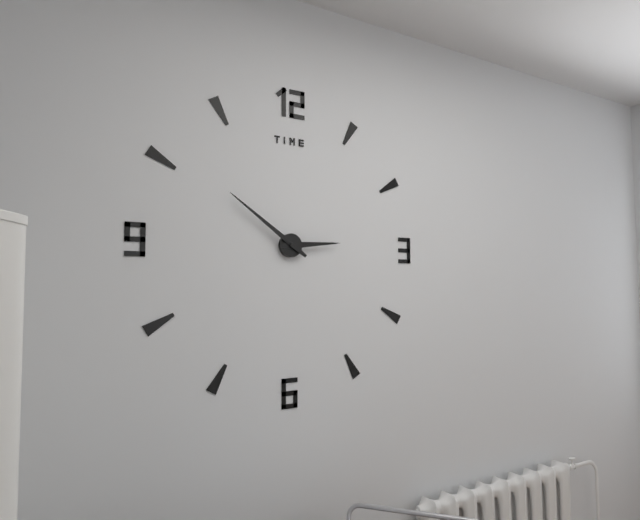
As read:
2:51
